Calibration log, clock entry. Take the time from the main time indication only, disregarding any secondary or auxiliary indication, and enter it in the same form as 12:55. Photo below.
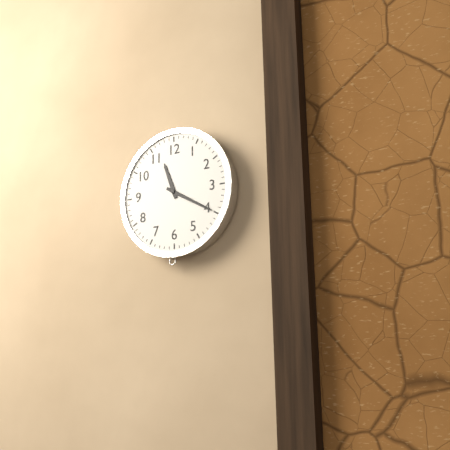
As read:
11:20
